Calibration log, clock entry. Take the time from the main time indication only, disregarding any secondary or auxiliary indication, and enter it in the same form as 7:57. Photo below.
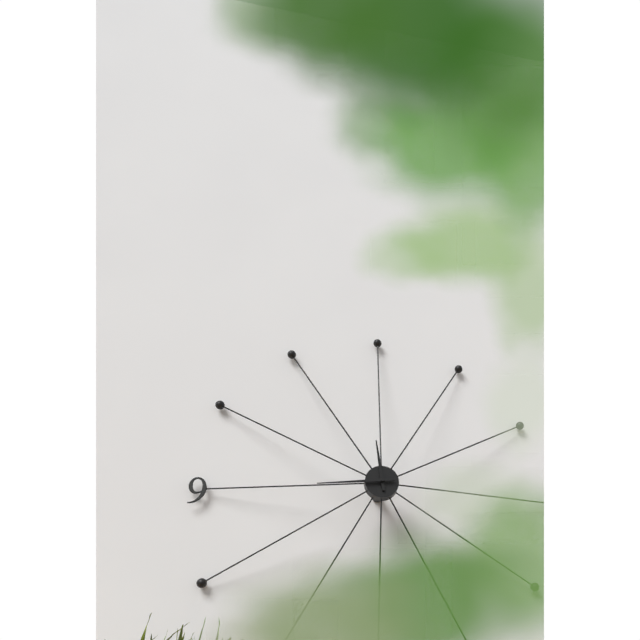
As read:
11:44
